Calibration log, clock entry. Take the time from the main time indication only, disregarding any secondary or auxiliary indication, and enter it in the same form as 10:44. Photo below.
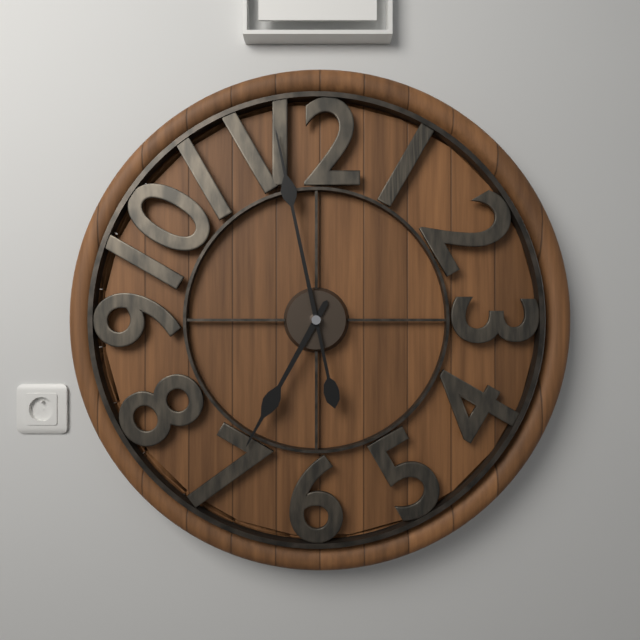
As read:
6:58
